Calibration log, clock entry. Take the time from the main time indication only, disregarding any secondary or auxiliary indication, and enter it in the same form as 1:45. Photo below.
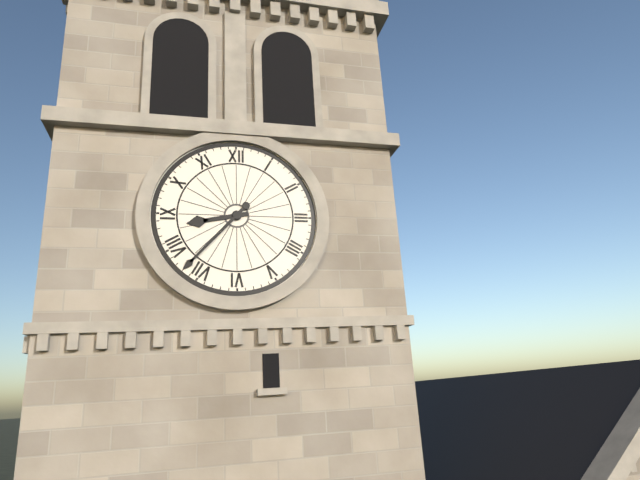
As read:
8:37
